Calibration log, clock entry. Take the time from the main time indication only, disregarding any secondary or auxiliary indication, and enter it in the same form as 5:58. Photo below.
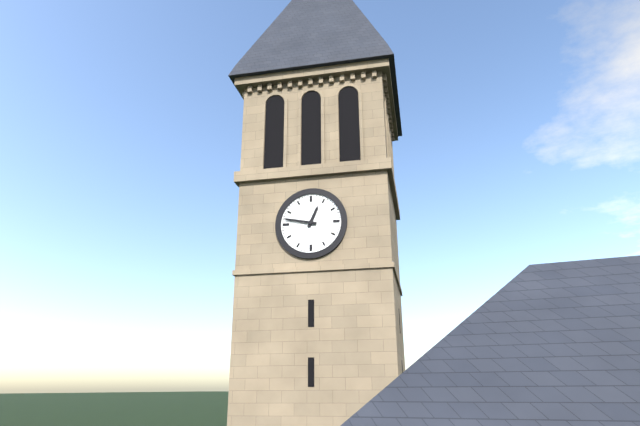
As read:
12:47
